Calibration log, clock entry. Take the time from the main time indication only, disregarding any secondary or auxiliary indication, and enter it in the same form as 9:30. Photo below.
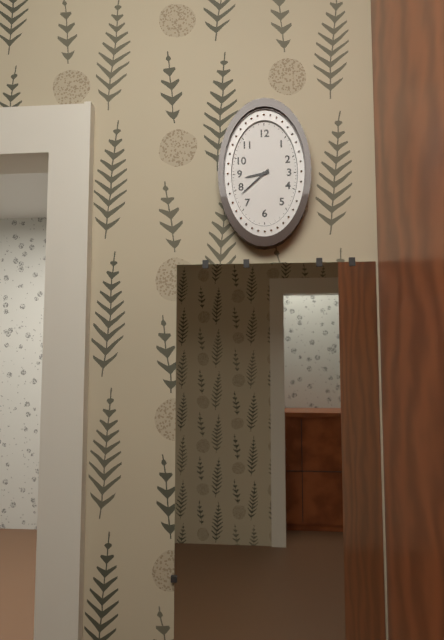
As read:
8:38
